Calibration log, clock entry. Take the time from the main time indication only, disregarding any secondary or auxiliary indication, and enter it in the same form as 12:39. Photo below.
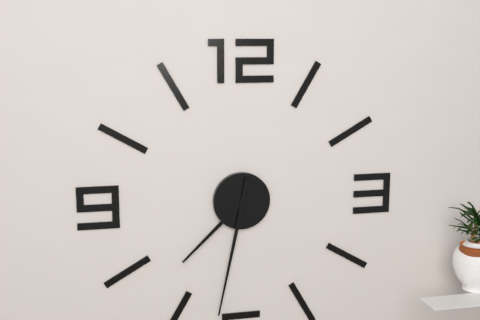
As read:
7:32
